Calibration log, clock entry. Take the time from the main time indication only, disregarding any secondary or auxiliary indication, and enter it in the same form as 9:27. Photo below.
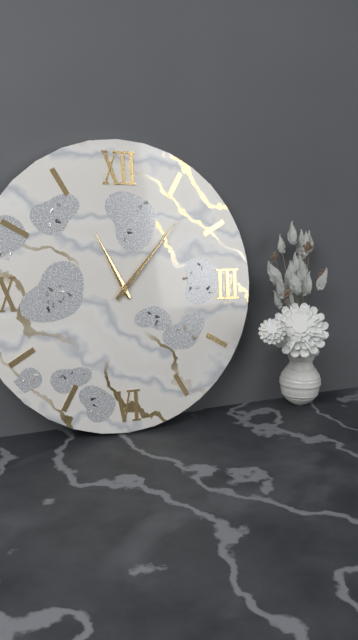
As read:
11:07
